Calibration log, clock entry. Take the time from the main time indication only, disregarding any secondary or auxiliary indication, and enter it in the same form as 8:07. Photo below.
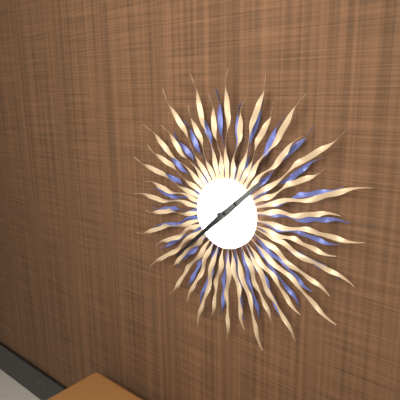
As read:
1:38
